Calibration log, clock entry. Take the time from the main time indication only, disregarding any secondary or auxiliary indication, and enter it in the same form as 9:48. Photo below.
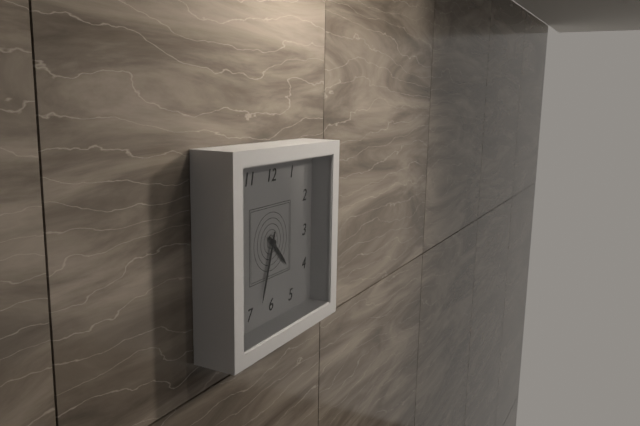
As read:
4:33
